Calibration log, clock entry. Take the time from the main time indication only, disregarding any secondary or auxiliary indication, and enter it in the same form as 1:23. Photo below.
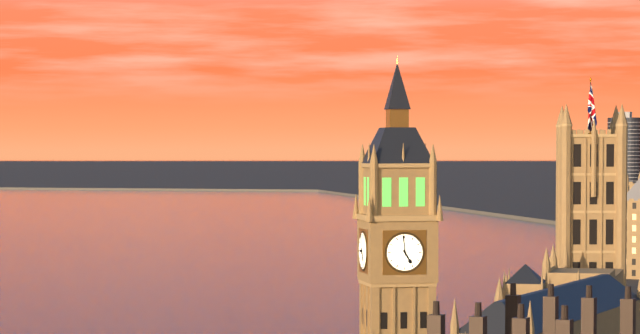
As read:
4:59
